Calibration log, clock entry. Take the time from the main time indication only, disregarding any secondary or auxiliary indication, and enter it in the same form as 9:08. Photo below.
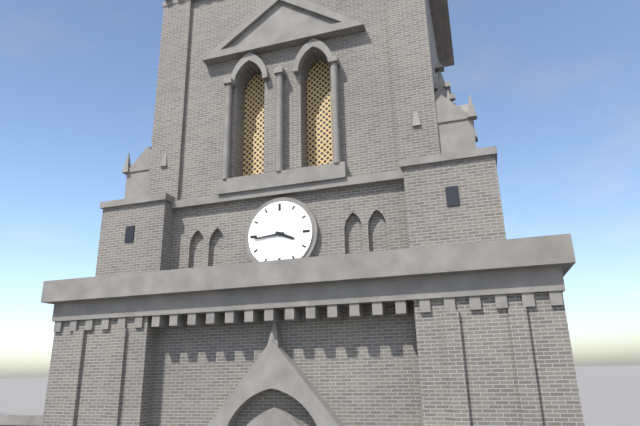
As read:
3:44
